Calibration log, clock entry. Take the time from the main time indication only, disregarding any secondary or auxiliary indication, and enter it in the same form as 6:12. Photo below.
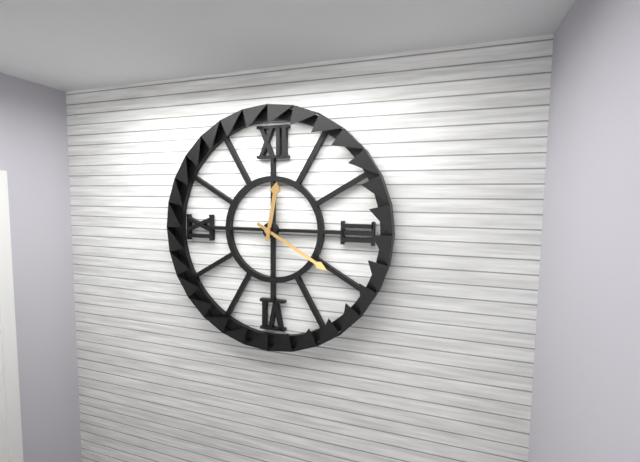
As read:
12:20
